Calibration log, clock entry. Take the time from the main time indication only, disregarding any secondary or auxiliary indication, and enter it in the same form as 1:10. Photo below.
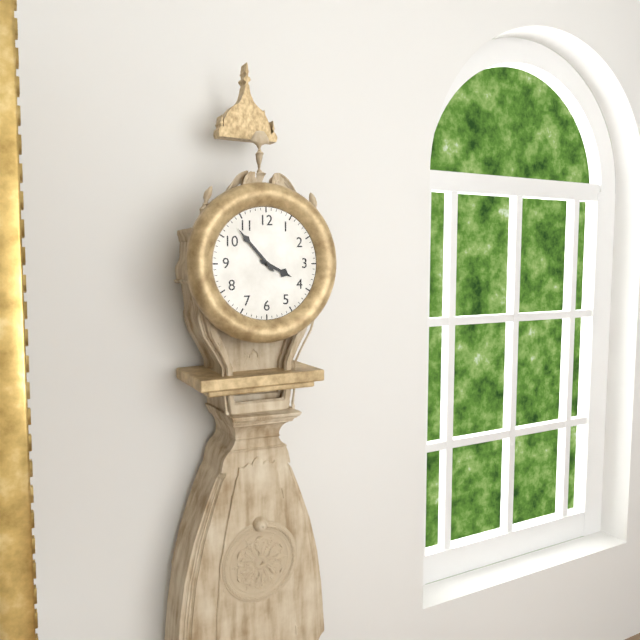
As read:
3:53
